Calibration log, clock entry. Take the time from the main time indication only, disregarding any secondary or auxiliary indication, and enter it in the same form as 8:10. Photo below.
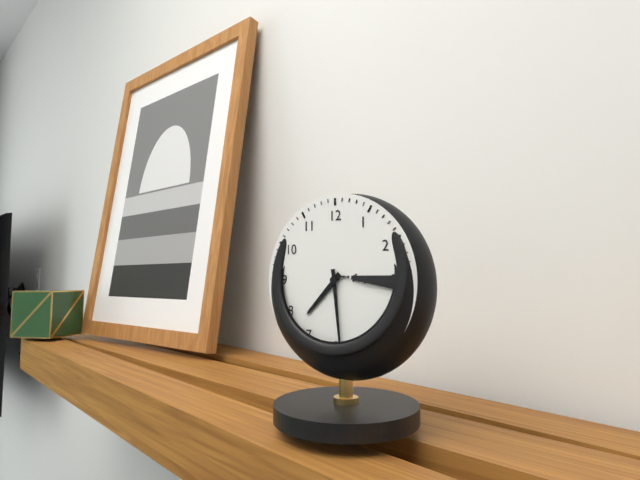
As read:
7:29
